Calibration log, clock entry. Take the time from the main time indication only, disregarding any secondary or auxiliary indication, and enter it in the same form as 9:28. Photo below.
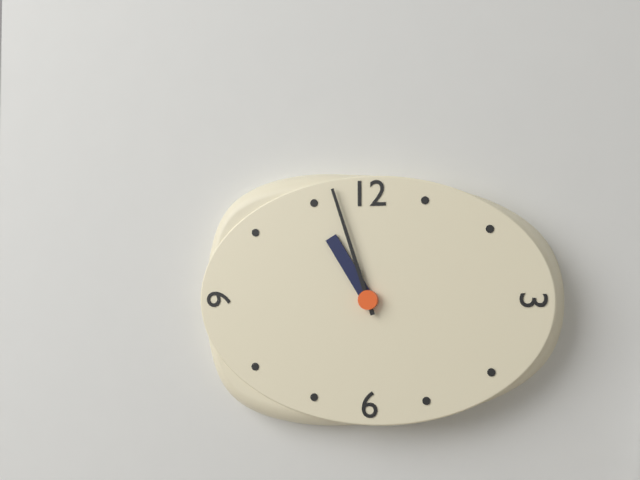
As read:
10:57
